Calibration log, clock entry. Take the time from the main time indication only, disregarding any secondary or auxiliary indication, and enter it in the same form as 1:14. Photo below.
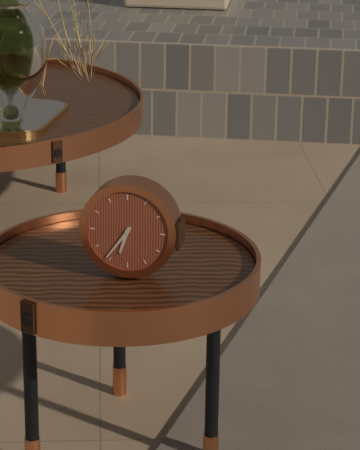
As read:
6:36
